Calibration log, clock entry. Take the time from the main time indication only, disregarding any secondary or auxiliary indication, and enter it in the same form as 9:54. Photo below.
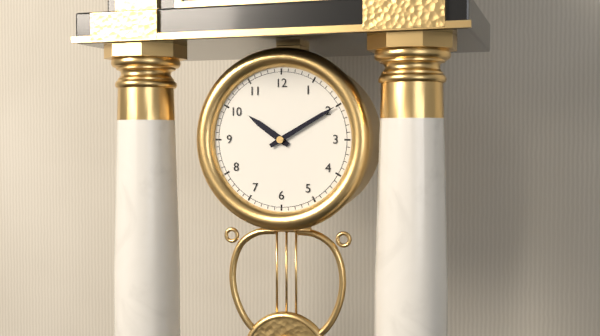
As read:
10:10
